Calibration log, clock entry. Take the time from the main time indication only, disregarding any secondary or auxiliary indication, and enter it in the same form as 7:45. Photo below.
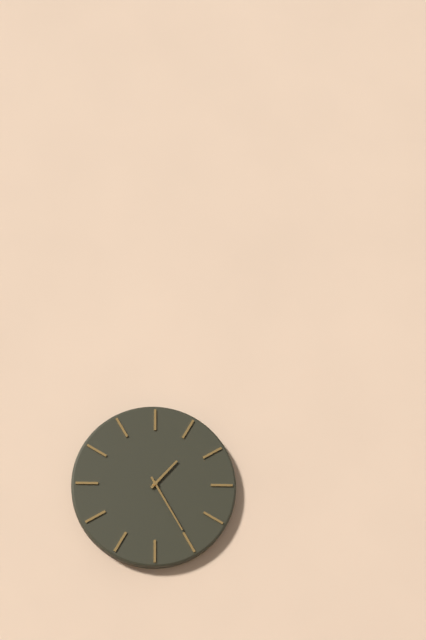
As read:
1:25
